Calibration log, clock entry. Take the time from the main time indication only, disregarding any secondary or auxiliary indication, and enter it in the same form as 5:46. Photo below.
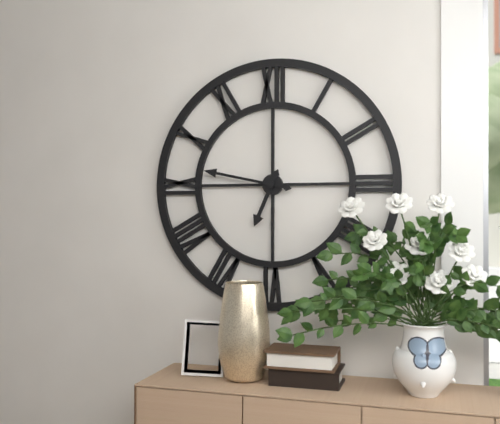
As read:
6:47
